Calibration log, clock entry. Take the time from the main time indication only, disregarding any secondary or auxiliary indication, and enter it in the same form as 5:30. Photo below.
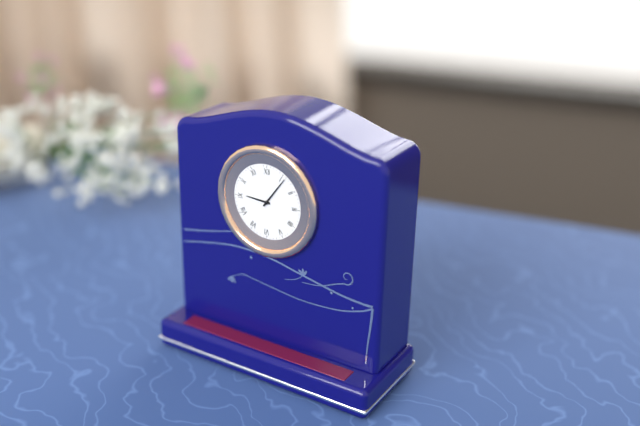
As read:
9:06
